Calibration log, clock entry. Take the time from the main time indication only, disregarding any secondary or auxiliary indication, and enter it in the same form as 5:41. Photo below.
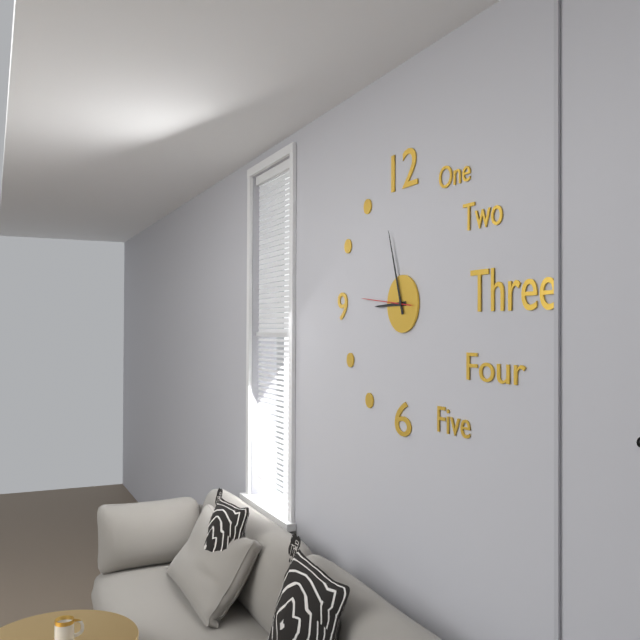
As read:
8:57
